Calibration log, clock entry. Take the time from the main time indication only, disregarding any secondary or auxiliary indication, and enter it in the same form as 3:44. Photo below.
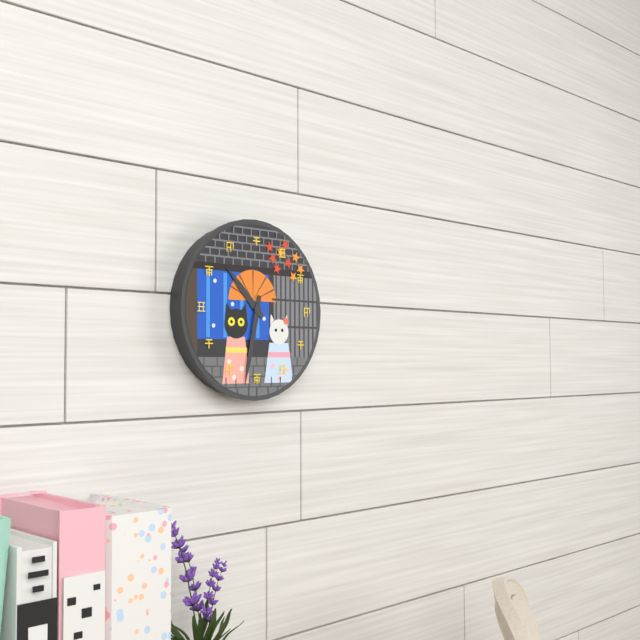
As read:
10:32
